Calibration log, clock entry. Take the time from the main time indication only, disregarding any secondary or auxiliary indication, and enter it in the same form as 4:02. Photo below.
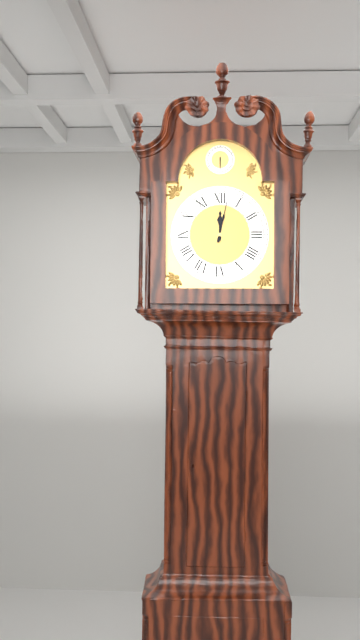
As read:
12:02
